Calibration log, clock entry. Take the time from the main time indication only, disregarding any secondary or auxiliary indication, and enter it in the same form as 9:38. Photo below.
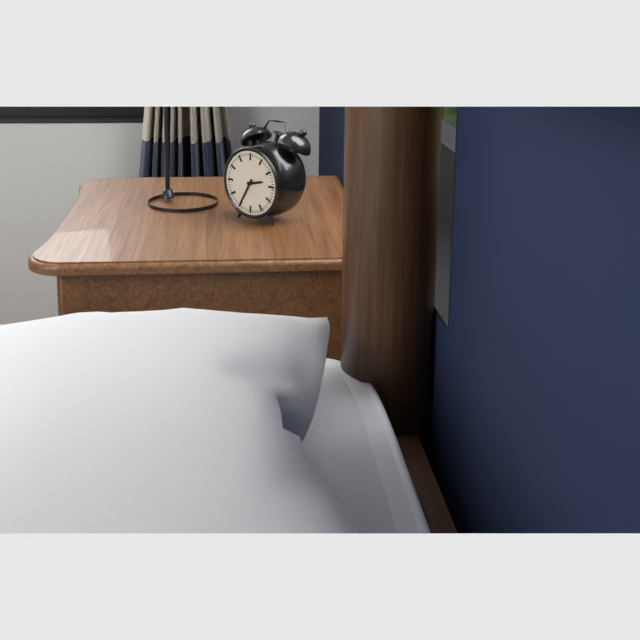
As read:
2:35
